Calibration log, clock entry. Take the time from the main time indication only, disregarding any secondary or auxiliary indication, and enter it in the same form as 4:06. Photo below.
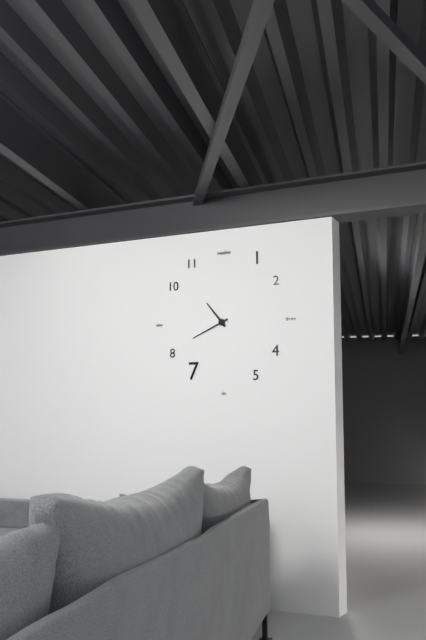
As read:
10:41
